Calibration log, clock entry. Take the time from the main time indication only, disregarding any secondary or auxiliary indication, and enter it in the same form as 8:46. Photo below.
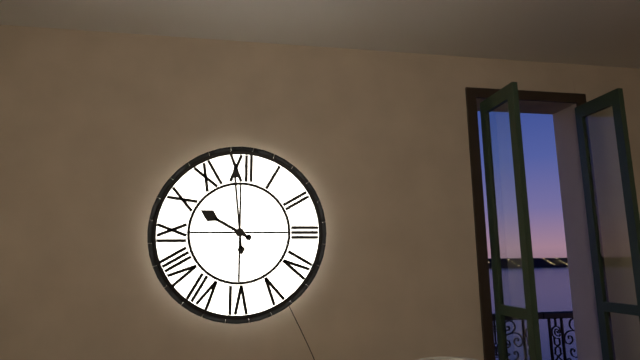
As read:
9:59
